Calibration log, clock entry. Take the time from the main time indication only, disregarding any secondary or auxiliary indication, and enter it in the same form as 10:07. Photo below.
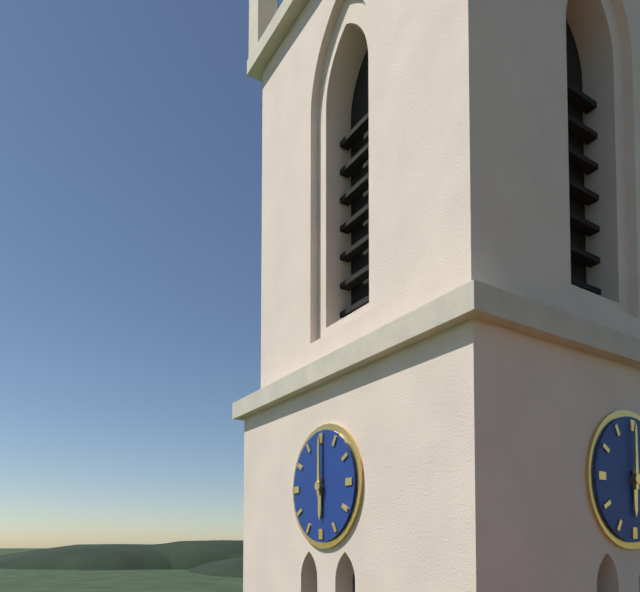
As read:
6:00
